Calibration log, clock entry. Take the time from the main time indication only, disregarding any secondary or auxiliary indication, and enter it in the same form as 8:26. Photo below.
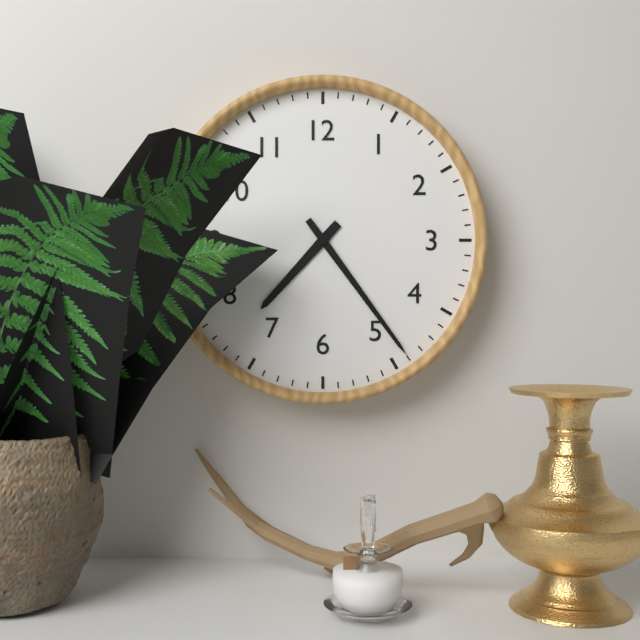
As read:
7:24
